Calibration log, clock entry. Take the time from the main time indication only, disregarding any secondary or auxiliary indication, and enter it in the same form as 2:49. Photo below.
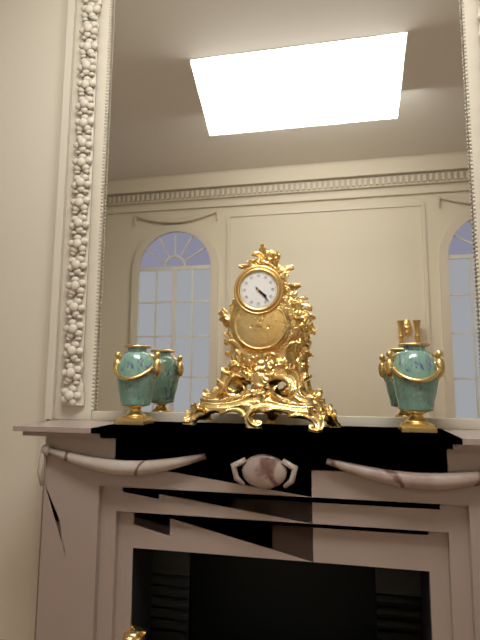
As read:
4:23
